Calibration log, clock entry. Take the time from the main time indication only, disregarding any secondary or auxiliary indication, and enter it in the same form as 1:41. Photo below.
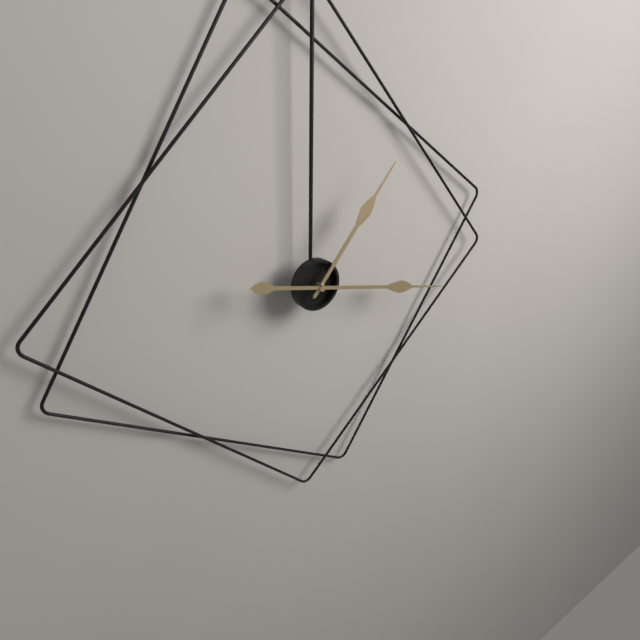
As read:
1:17
